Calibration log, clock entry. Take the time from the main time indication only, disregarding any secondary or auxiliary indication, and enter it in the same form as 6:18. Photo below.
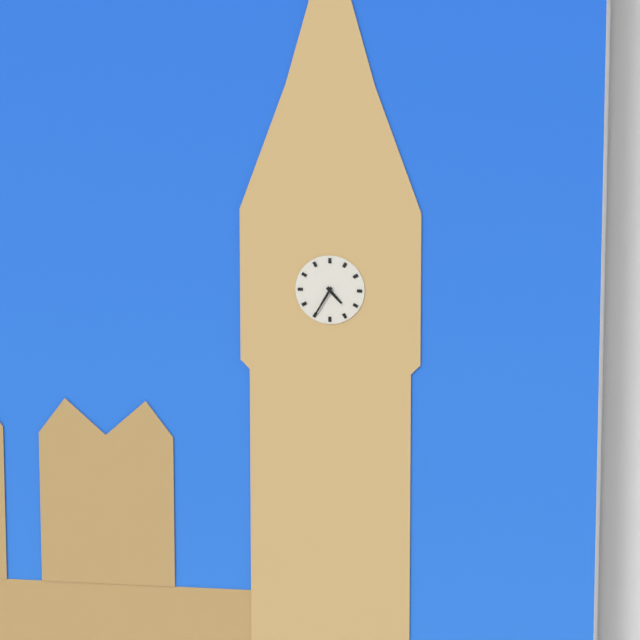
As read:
4:35
